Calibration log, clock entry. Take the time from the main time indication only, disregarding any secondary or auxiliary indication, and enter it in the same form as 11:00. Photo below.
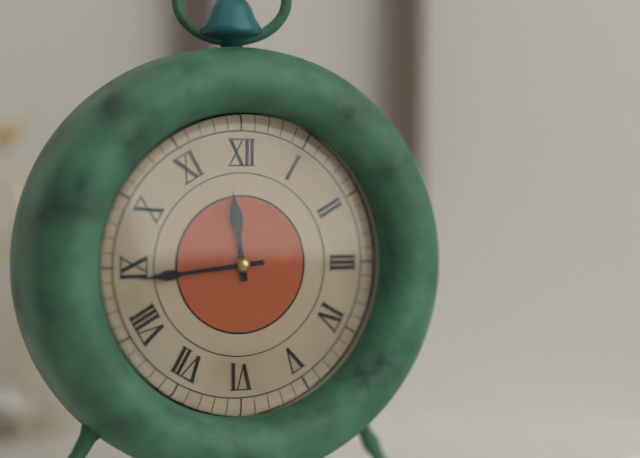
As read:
11:44
